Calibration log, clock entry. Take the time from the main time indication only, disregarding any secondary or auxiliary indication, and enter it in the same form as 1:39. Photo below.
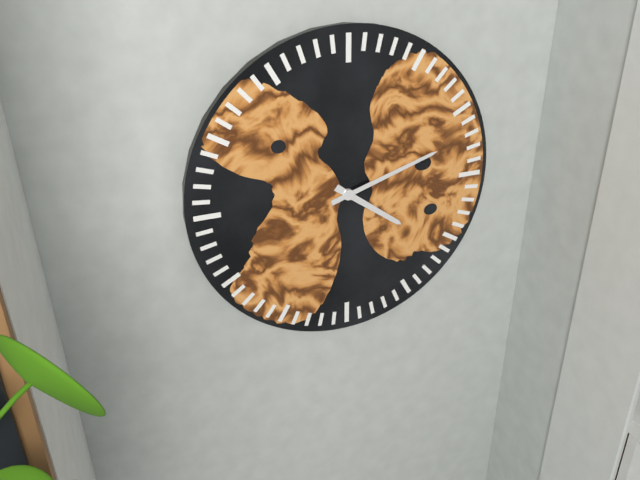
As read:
4:12
